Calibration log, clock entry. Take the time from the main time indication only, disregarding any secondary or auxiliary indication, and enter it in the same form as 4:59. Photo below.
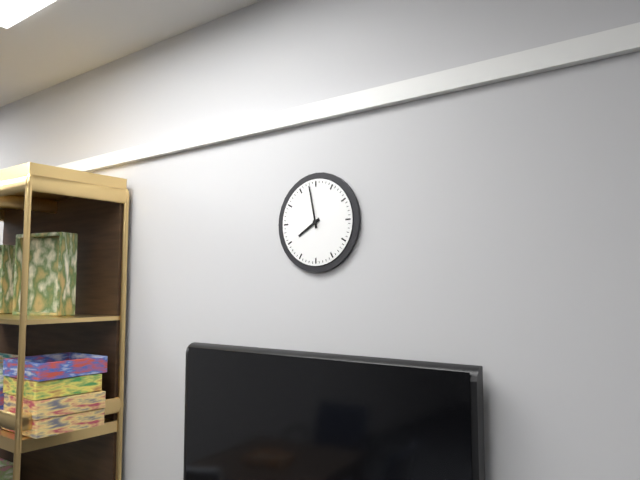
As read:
7:58
